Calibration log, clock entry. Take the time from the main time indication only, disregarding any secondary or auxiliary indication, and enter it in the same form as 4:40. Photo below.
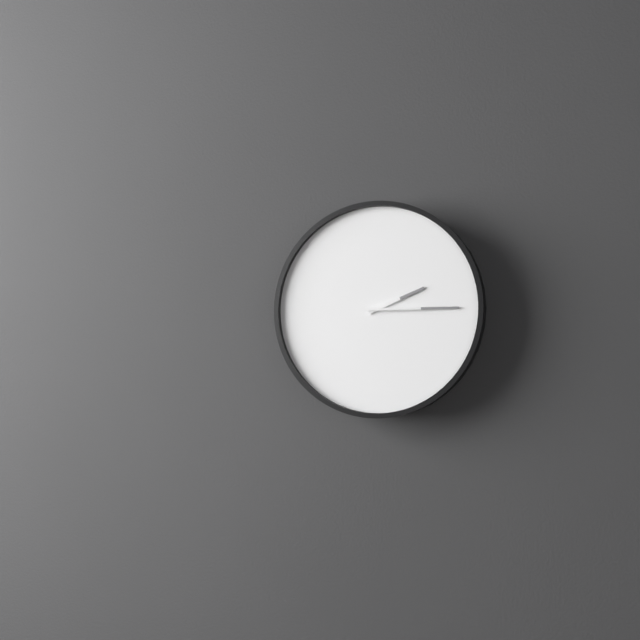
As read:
2:15
